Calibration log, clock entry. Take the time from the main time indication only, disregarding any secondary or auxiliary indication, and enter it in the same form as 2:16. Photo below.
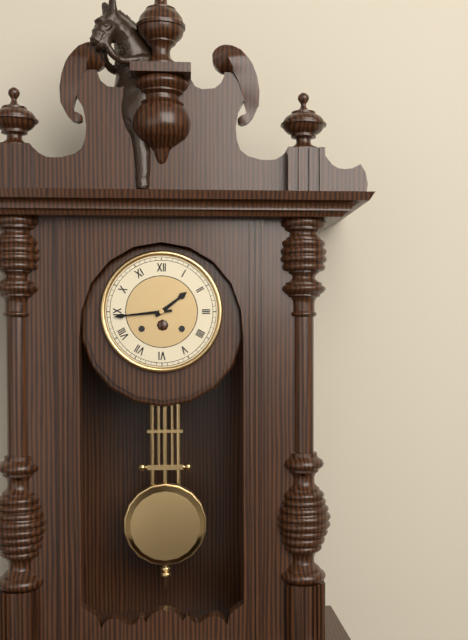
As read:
1:44
